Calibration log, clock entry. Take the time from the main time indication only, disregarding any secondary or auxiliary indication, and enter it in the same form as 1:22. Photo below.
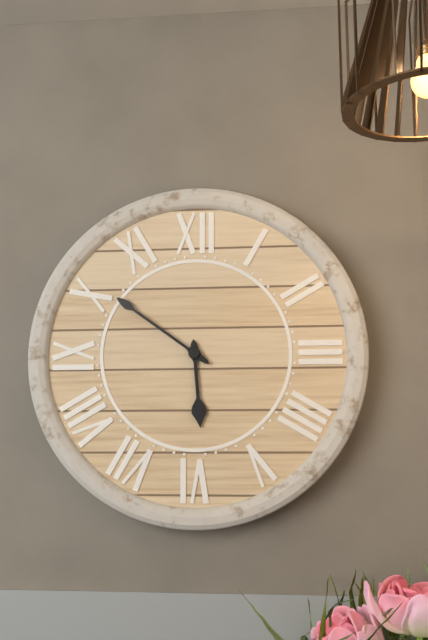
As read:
5:51
